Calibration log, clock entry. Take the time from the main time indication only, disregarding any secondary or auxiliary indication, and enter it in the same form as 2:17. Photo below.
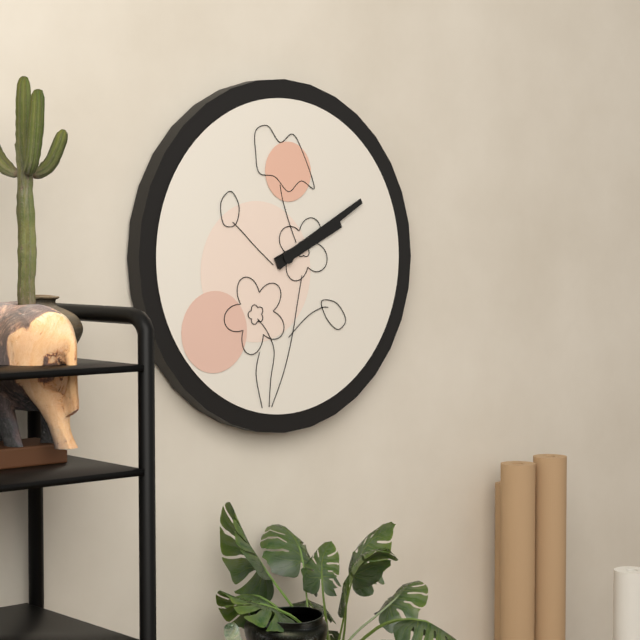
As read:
2:10
